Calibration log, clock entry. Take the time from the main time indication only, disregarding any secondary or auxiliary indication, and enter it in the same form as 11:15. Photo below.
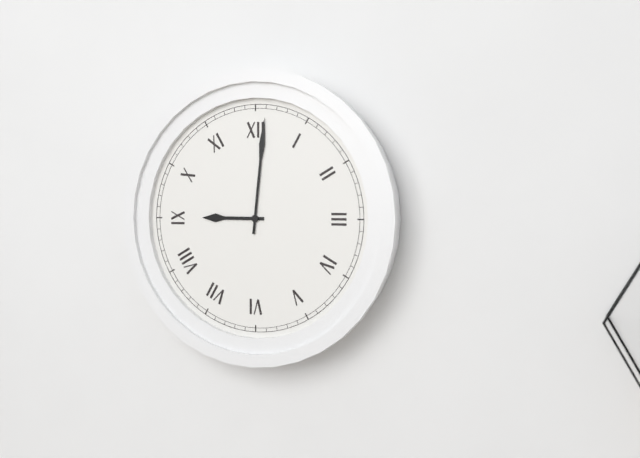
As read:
9:01
